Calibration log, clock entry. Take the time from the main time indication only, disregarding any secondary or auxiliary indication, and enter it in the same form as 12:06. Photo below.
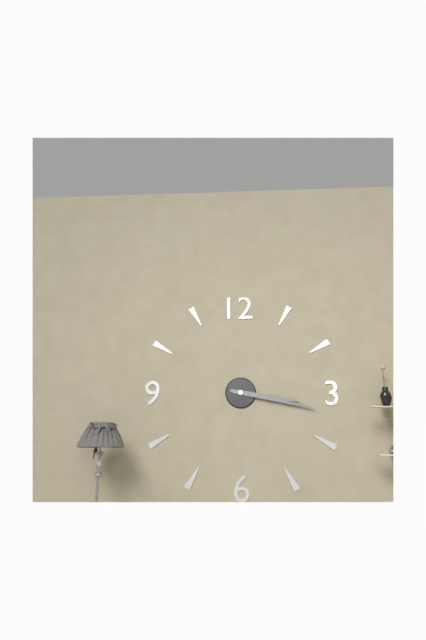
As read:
3:17
